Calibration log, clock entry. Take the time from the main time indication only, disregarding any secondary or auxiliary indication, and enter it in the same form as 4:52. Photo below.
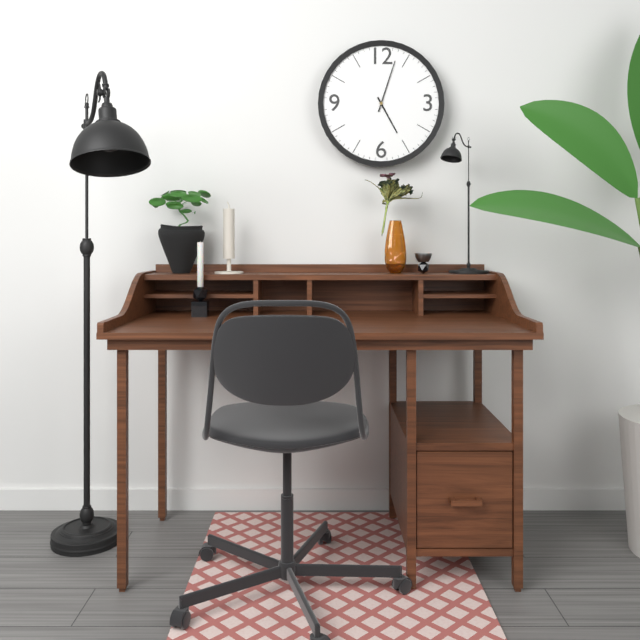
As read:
5:03
